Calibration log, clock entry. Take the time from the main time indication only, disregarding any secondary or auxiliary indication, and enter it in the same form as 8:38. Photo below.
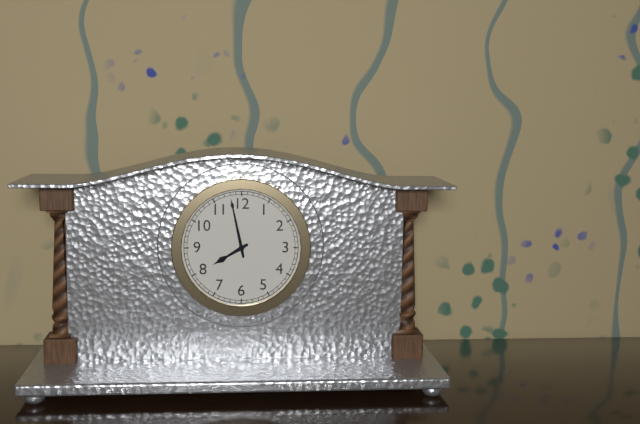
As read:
7:58
